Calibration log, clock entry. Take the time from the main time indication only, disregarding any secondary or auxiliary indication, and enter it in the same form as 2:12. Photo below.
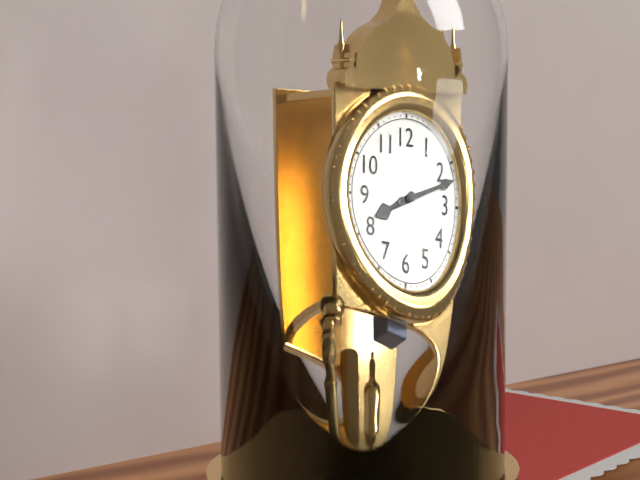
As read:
8:12
